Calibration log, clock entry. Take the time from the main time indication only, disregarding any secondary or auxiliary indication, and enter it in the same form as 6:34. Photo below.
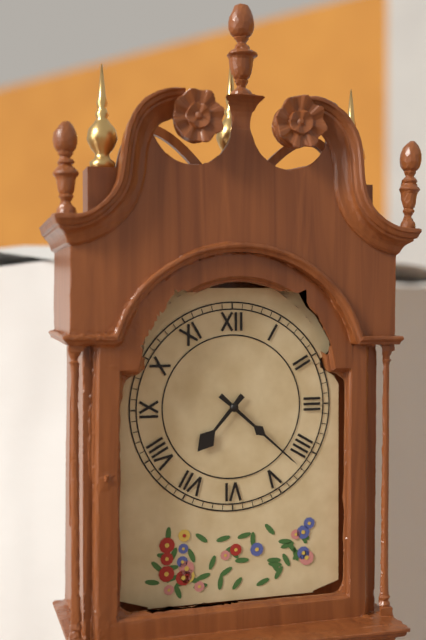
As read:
7:22
